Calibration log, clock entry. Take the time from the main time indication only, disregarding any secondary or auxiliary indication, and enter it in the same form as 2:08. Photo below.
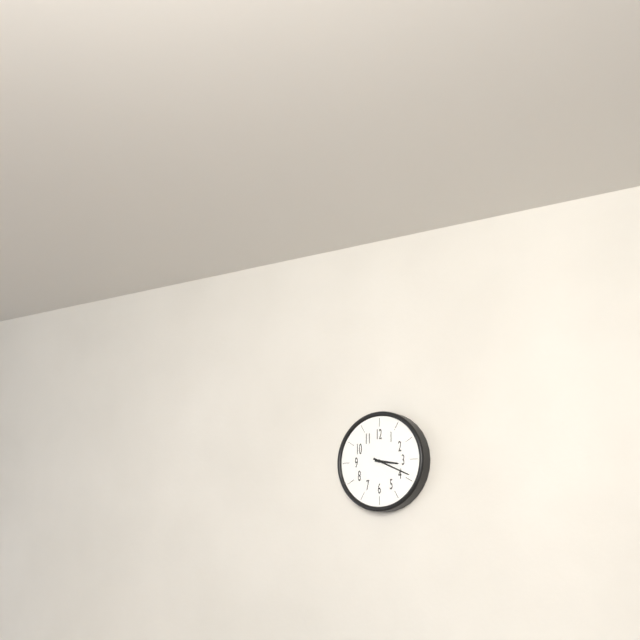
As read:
3:19
